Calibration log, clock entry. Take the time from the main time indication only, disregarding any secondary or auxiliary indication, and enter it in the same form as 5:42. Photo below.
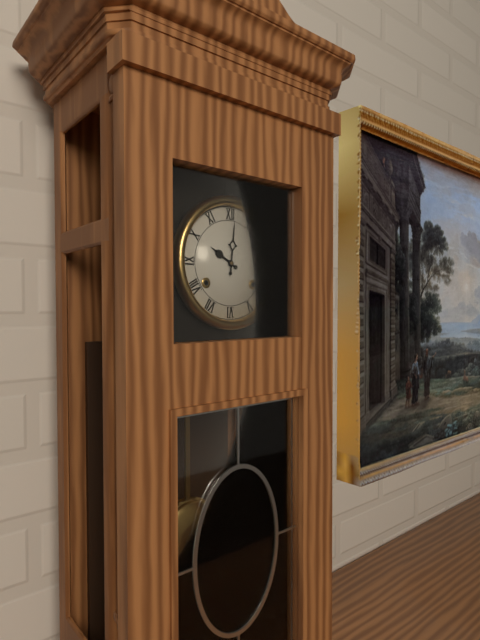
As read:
10:01
